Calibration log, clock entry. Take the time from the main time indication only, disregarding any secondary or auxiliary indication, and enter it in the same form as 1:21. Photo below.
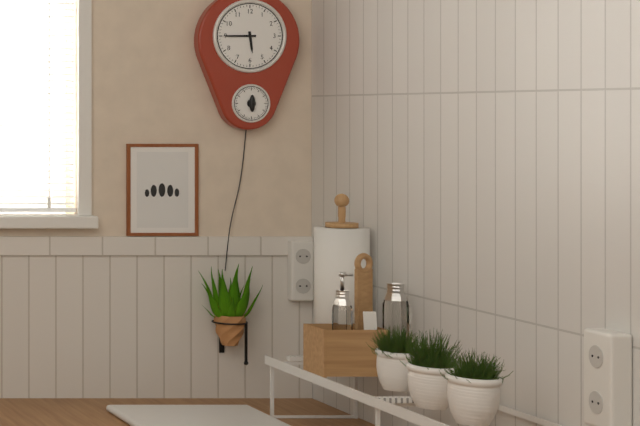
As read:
5:45
